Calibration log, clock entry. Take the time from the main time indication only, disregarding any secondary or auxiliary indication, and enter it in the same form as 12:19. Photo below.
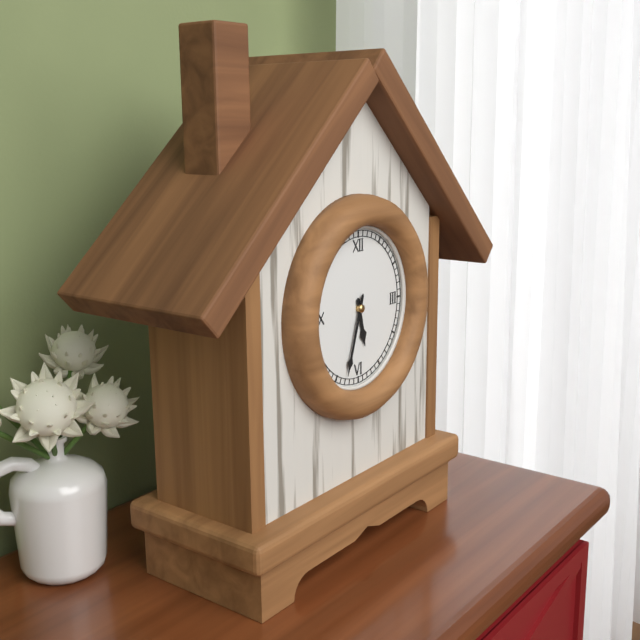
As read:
5:33
